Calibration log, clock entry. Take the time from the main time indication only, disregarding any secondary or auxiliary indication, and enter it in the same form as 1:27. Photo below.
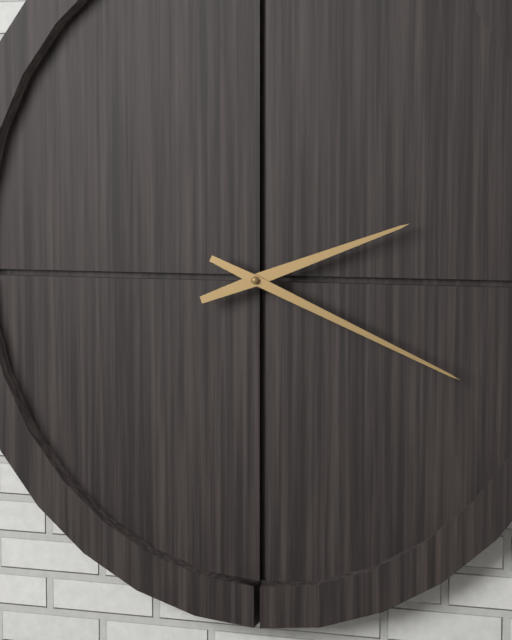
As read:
2:19
